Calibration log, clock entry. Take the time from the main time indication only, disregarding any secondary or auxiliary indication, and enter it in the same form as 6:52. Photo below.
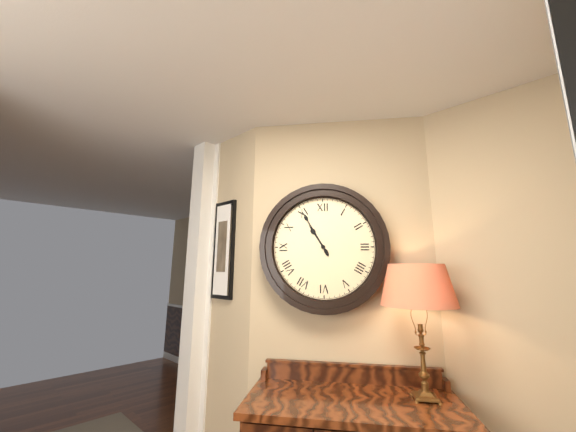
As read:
10:55
